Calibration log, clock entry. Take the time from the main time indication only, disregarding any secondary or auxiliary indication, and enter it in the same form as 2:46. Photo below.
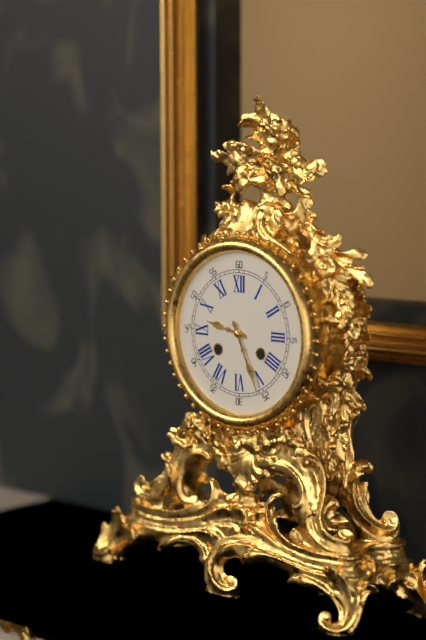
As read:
9:26
